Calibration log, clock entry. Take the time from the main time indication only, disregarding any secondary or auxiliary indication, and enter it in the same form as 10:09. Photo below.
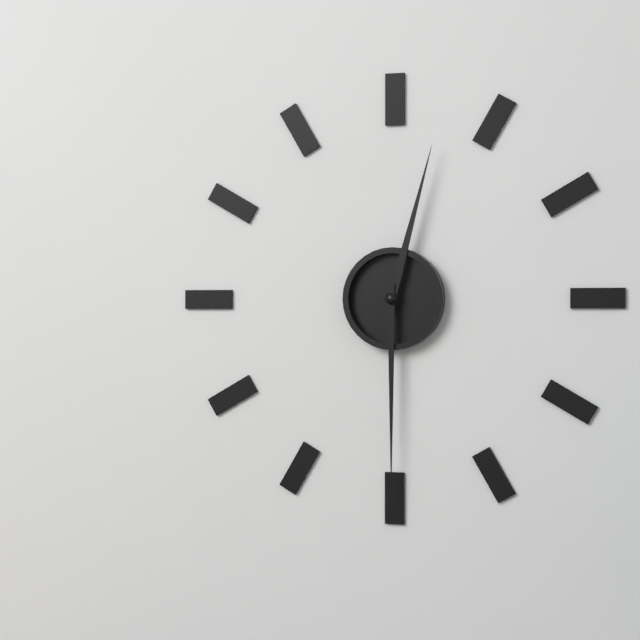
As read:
12:30
